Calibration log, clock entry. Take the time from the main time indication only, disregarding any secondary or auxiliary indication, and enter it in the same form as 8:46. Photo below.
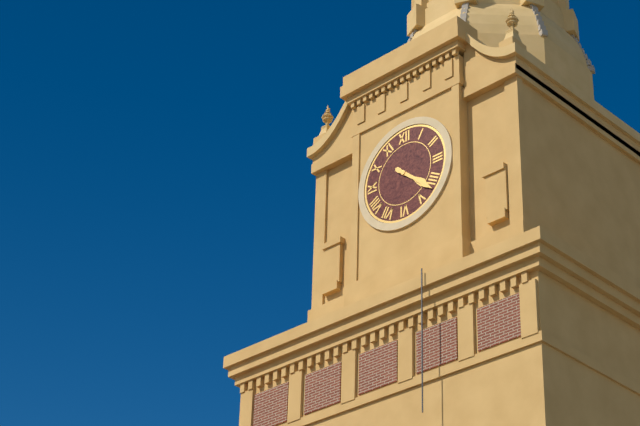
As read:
4:22
